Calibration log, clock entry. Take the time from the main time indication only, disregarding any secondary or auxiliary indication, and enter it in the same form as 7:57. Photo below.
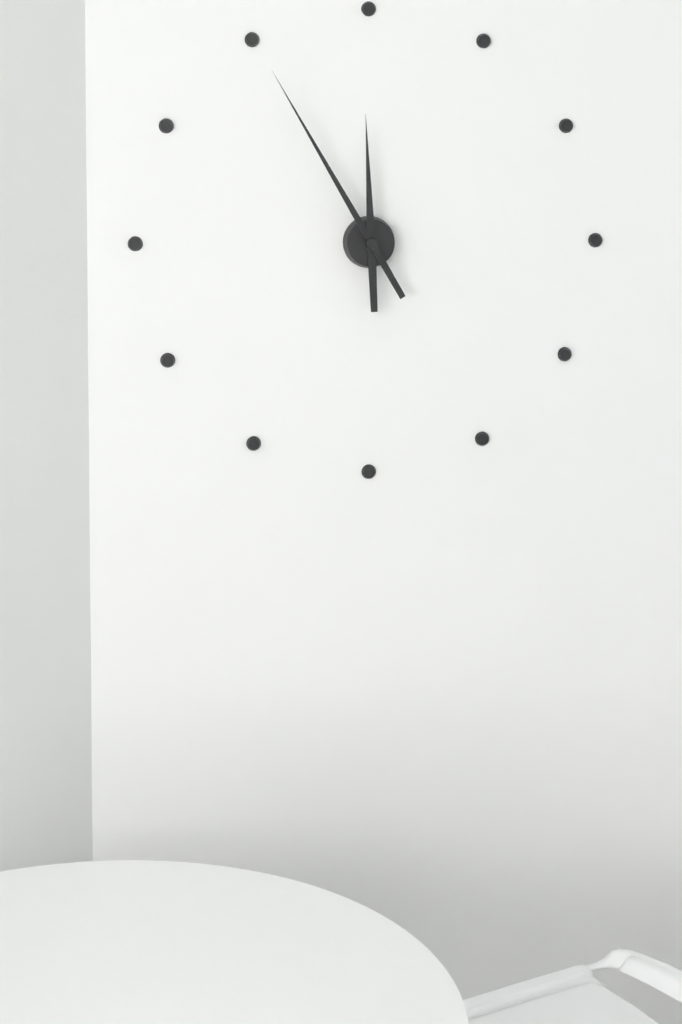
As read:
11:55
